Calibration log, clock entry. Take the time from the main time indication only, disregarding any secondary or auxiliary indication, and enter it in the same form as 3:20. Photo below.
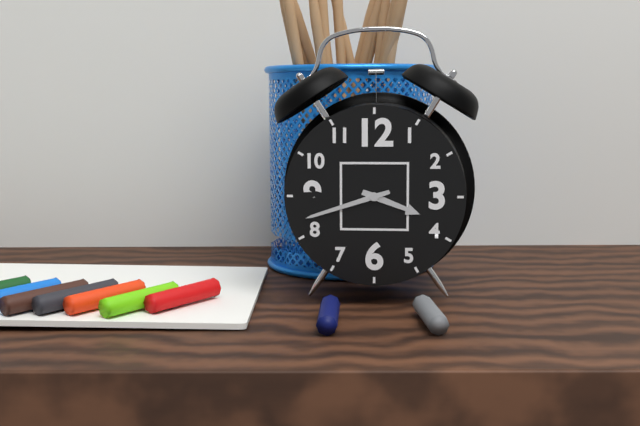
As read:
3:42
